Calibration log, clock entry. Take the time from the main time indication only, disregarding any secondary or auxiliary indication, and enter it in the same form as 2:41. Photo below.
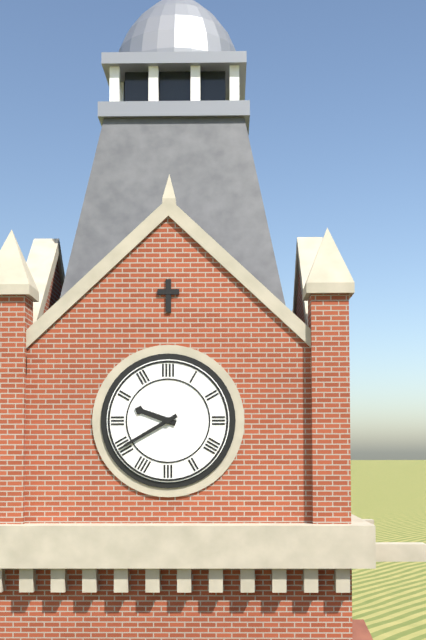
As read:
9:40
